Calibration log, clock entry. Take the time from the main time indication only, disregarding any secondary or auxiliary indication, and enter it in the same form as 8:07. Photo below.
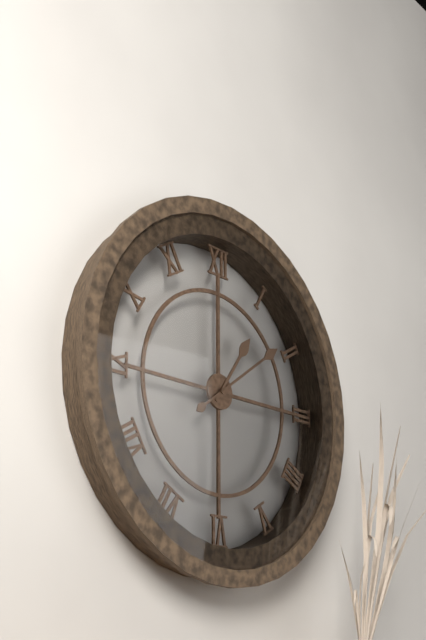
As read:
1:09
